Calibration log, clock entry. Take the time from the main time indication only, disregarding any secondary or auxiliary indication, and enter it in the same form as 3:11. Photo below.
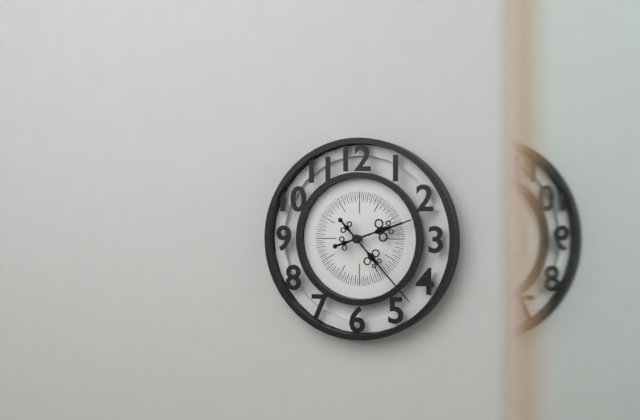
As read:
2:23
